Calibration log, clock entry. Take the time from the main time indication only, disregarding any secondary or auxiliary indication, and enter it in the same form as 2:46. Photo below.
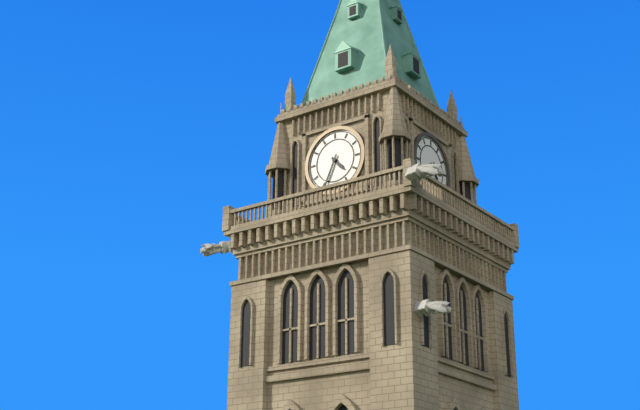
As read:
4:34
